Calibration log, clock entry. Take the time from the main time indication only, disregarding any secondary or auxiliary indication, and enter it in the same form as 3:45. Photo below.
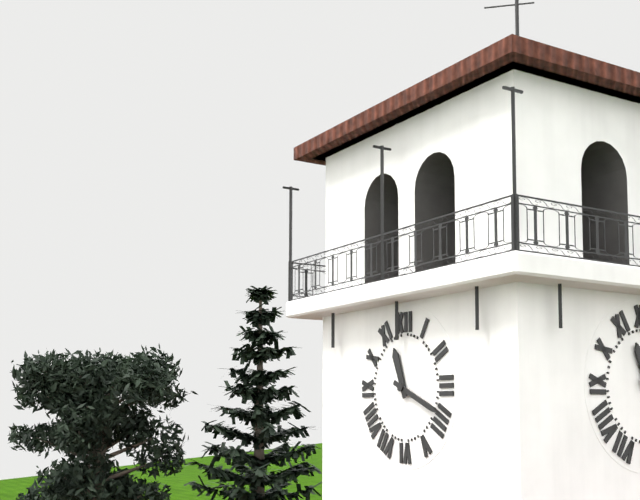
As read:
11:19
